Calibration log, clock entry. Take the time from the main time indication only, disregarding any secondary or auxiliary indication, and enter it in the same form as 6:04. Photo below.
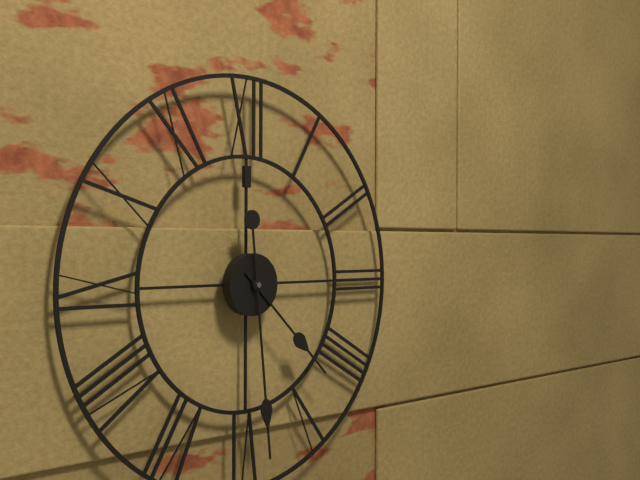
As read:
4:29
